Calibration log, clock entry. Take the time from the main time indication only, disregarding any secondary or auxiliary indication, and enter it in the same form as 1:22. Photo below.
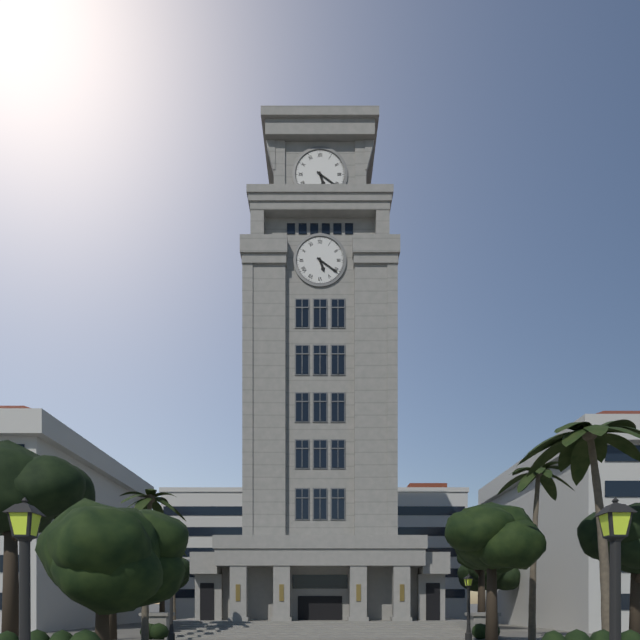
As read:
5:21
